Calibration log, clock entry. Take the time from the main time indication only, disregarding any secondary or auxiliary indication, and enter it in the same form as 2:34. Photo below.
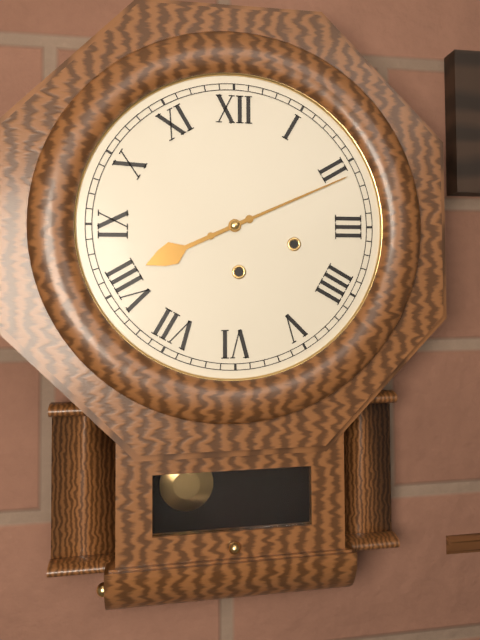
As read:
8:11
